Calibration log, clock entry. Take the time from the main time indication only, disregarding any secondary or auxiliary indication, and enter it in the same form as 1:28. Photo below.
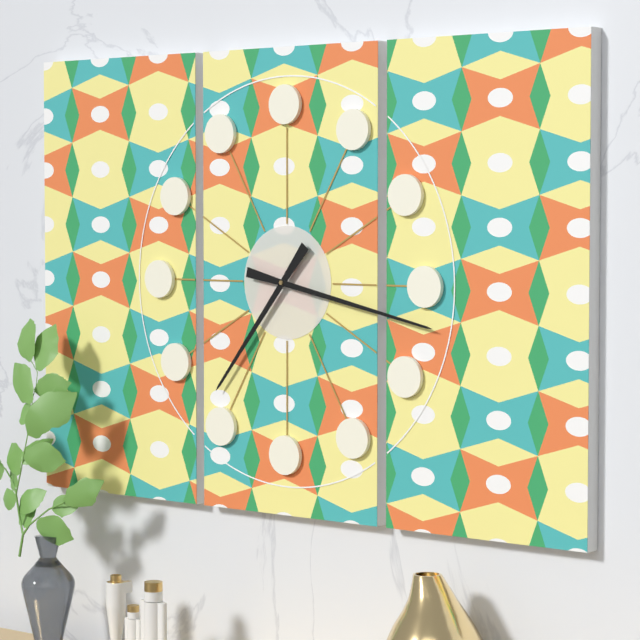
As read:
7:17
